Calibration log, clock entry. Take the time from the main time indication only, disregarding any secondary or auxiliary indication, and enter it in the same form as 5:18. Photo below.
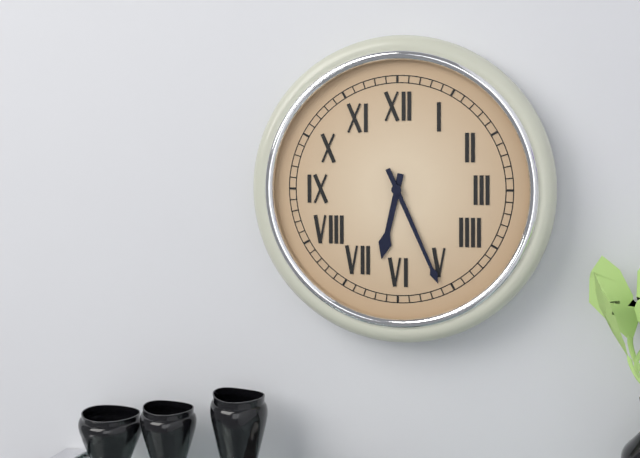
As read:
6:26
